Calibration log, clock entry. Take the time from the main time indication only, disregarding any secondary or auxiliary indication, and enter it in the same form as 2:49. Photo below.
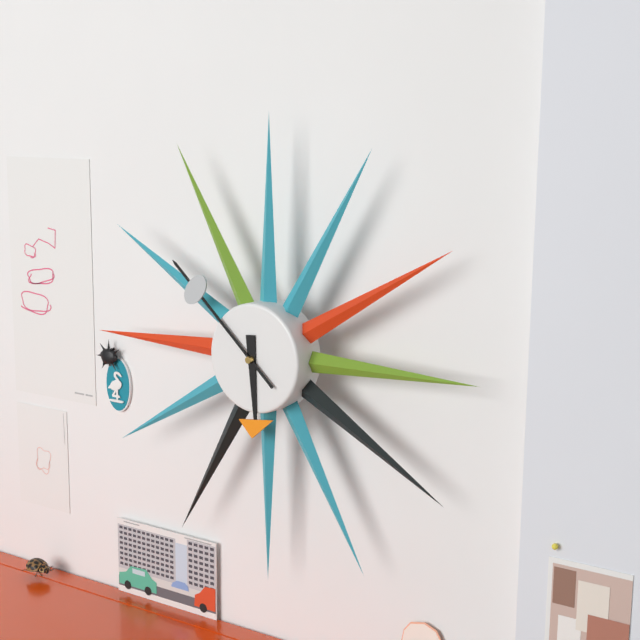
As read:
5:52
